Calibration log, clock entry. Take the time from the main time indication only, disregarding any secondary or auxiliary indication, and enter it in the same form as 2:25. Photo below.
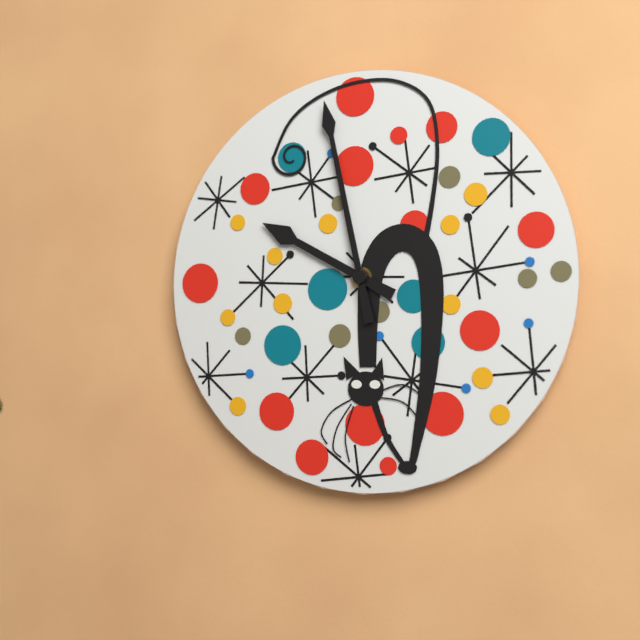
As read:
9:58
